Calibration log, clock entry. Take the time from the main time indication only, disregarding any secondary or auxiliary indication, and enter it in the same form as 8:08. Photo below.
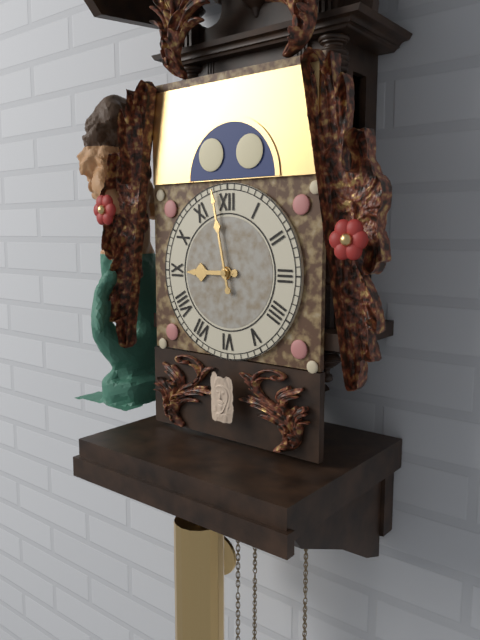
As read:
8:58
